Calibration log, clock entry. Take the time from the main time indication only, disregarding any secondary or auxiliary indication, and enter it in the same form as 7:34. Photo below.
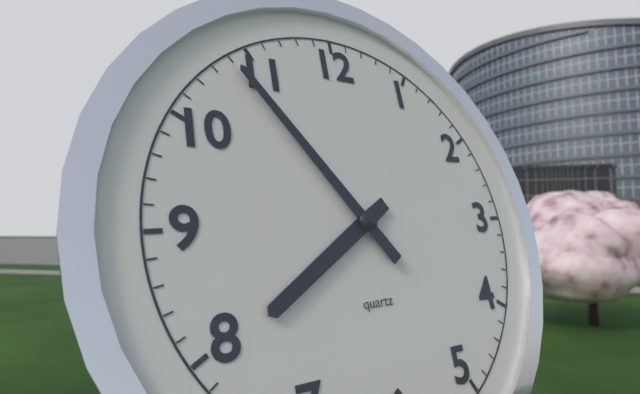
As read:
7:54
